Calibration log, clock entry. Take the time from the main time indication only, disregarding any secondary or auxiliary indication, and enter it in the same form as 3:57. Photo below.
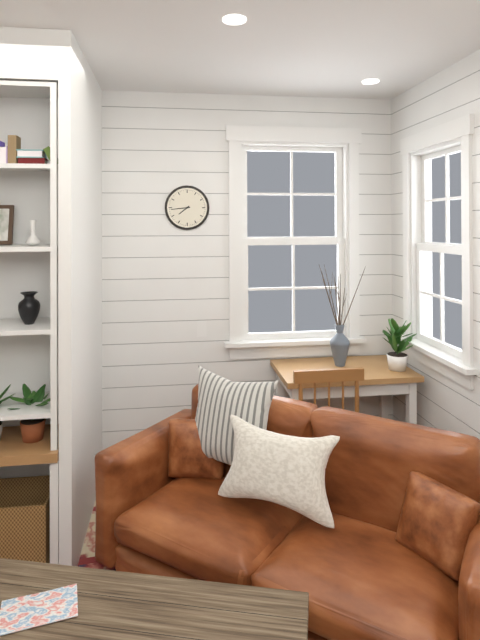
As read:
7:44
